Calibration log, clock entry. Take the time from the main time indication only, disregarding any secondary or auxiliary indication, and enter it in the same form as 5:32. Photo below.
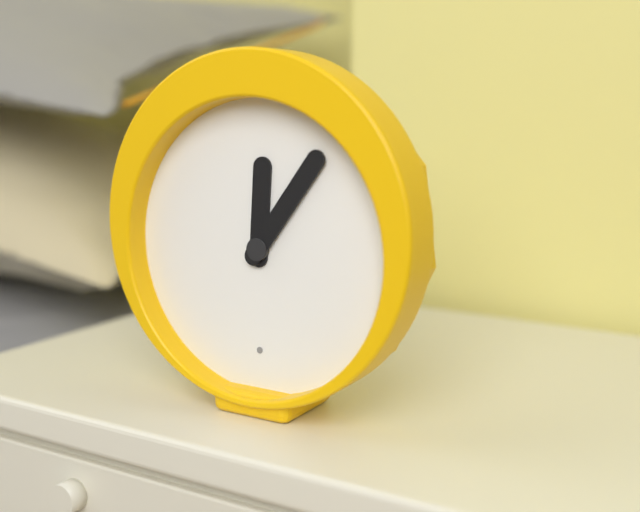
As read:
12:06
